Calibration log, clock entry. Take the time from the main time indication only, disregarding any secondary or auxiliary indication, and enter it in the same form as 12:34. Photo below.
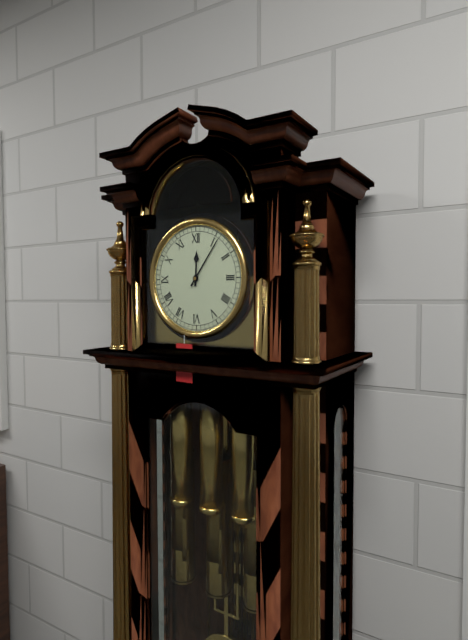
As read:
12:06
